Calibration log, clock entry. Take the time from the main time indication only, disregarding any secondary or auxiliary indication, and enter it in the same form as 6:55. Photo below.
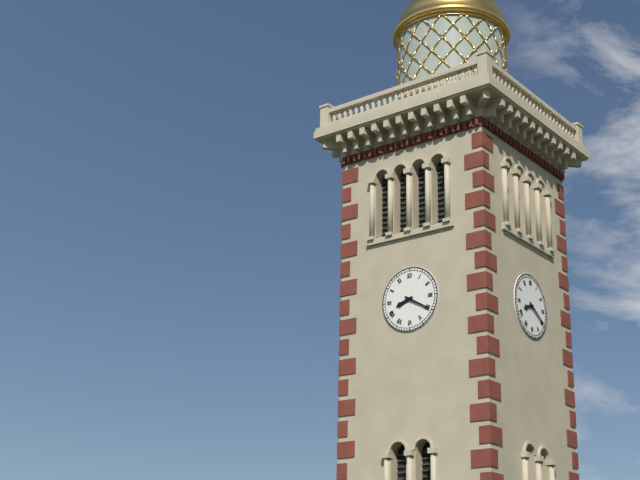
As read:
8:20
